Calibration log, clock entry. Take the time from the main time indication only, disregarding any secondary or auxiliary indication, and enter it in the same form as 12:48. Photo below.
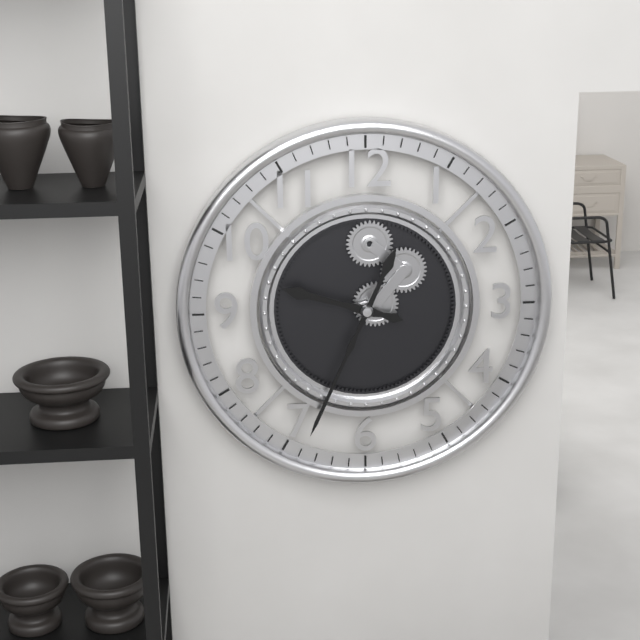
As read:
9:34
